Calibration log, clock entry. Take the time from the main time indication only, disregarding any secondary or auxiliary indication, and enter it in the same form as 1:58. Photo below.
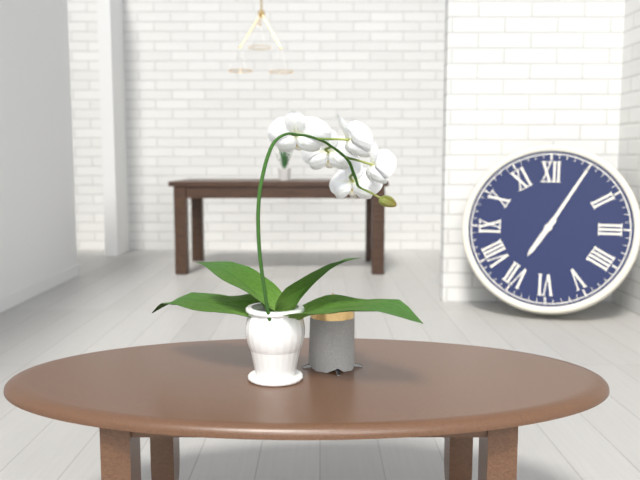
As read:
7:05
